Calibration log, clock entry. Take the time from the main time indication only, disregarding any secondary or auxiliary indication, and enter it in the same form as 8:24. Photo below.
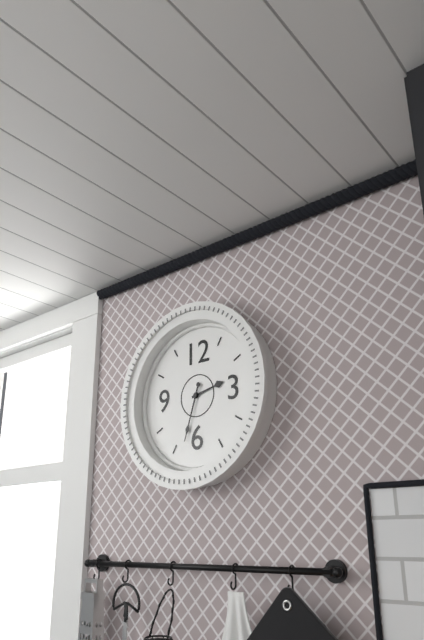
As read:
2:33
